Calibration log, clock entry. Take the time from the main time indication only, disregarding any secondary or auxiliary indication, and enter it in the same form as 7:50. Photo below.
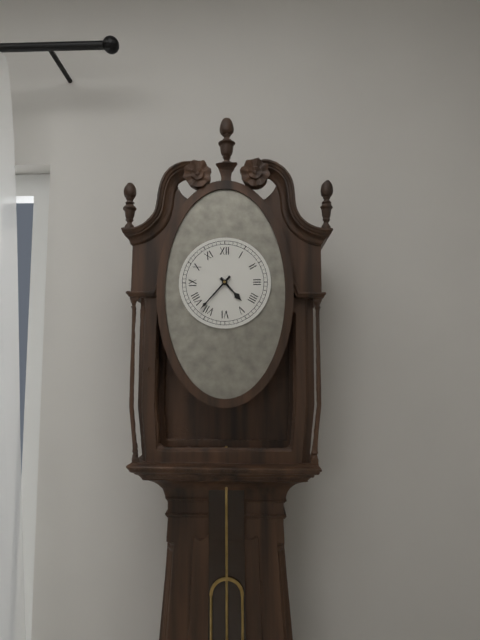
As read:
4:37
